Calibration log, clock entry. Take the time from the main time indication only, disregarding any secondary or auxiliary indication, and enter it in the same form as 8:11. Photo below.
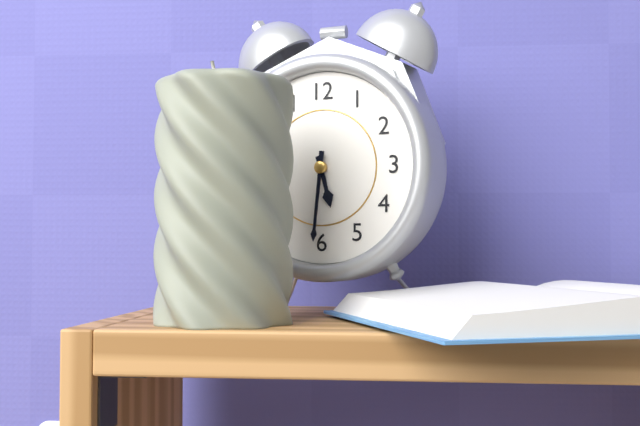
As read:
5:31
